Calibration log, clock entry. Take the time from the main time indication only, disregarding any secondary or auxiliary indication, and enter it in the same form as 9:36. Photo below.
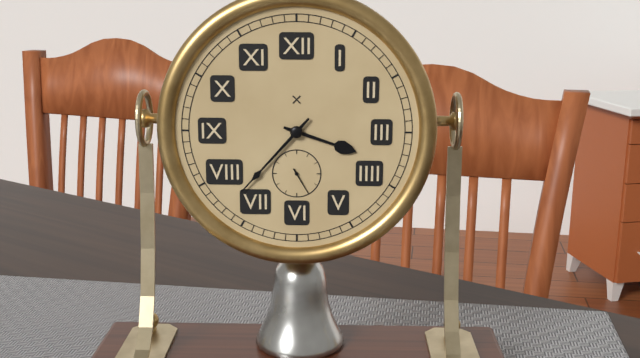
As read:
3:37
